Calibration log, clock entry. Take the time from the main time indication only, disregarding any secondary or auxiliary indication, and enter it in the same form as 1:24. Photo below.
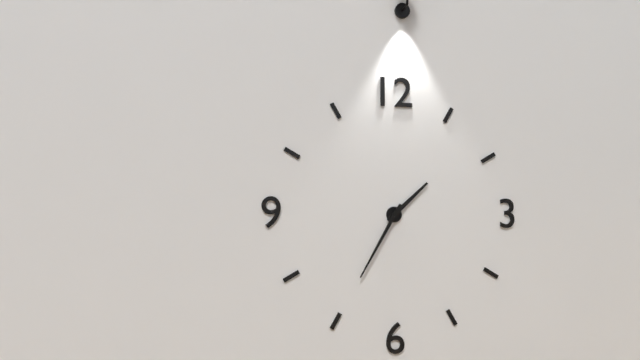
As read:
1:35
